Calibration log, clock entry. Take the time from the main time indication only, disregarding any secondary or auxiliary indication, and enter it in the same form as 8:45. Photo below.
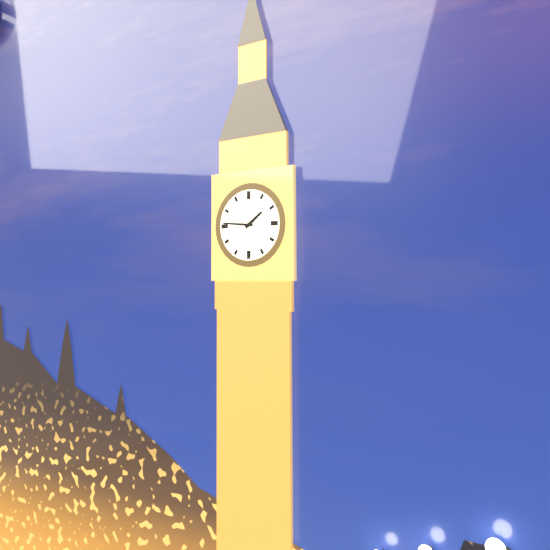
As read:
1:46
